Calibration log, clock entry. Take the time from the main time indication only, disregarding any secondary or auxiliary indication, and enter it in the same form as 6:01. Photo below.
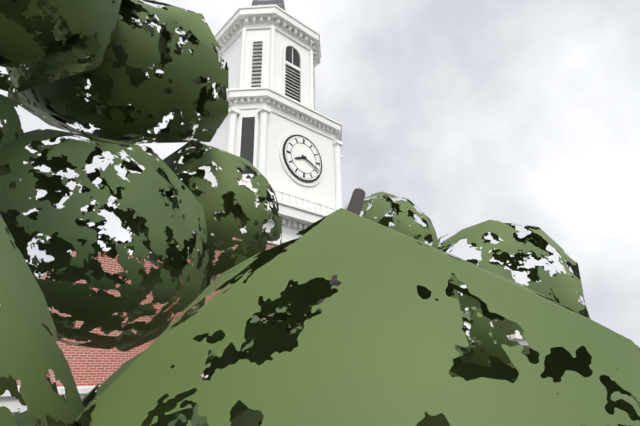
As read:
8:19
